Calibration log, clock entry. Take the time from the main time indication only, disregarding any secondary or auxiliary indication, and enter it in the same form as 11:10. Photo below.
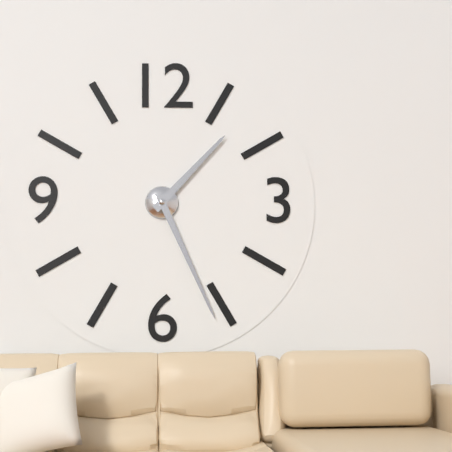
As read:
1:26
